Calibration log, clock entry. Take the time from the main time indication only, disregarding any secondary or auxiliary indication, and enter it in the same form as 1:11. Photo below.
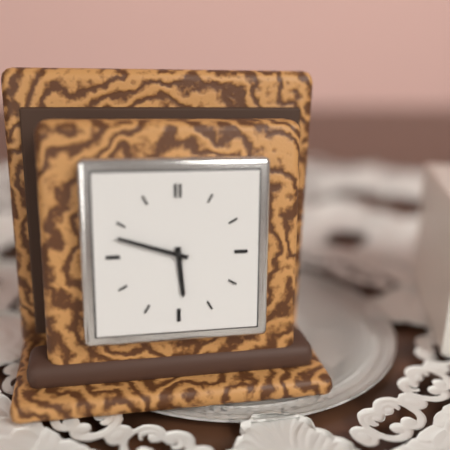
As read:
5:48
